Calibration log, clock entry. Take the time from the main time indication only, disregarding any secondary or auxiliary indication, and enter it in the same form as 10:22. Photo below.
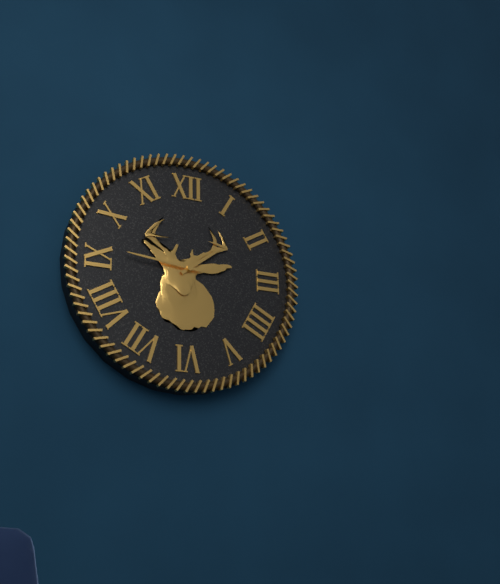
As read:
1:46
